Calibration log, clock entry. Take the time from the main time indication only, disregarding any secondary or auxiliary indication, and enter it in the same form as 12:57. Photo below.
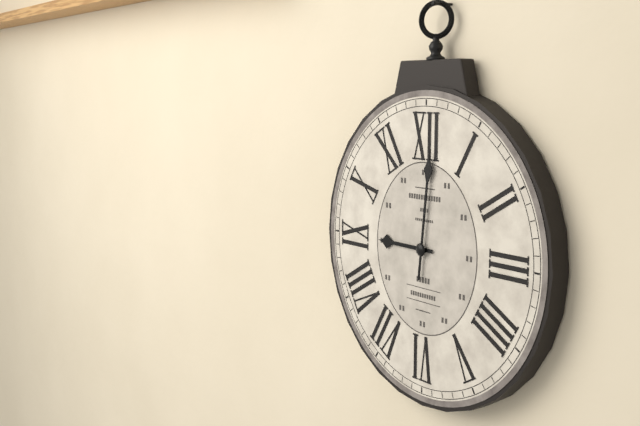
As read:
9:01
